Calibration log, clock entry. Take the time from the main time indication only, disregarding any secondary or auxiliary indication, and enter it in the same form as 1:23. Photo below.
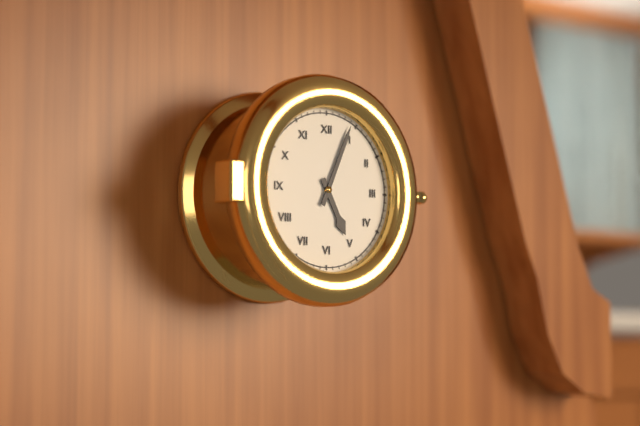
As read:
5:04
